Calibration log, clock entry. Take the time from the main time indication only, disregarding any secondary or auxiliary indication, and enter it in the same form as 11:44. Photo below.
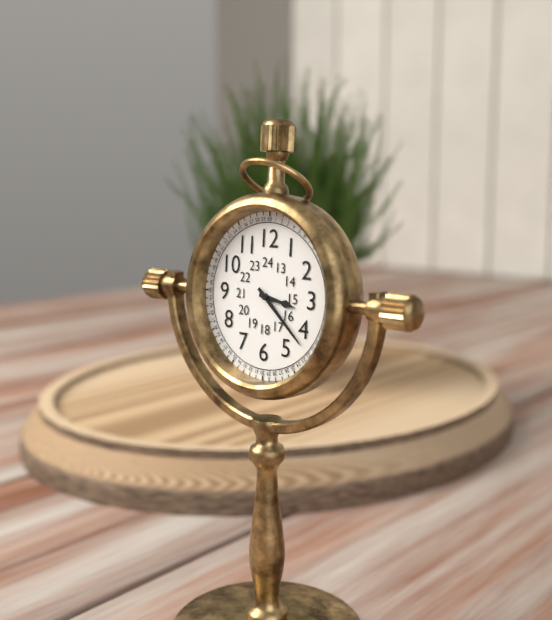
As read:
3:22
